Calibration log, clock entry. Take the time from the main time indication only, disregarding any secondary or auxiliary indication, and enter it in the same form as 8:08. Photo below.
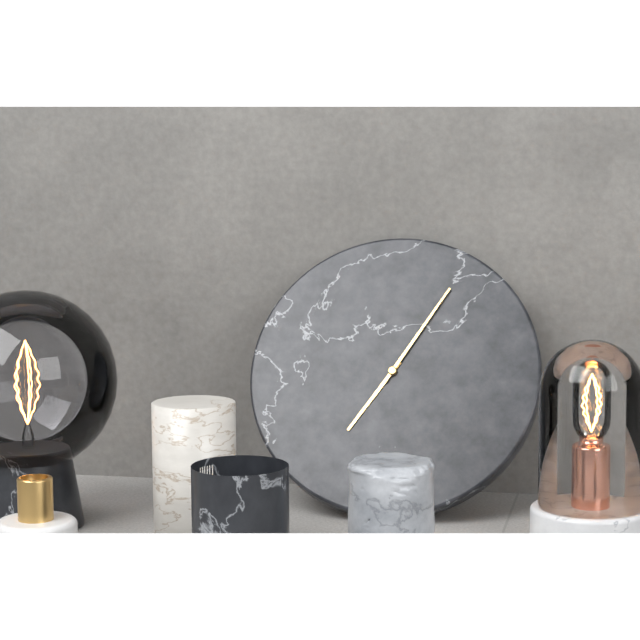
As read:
7:05
